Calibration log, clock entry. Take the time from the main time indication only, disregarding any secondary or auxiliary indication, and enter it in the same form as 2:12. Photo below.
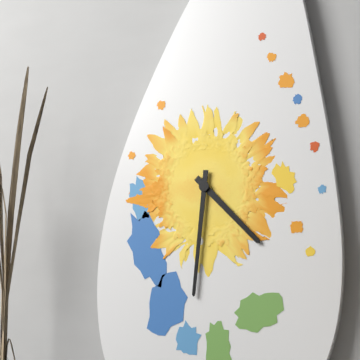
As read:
4:31
